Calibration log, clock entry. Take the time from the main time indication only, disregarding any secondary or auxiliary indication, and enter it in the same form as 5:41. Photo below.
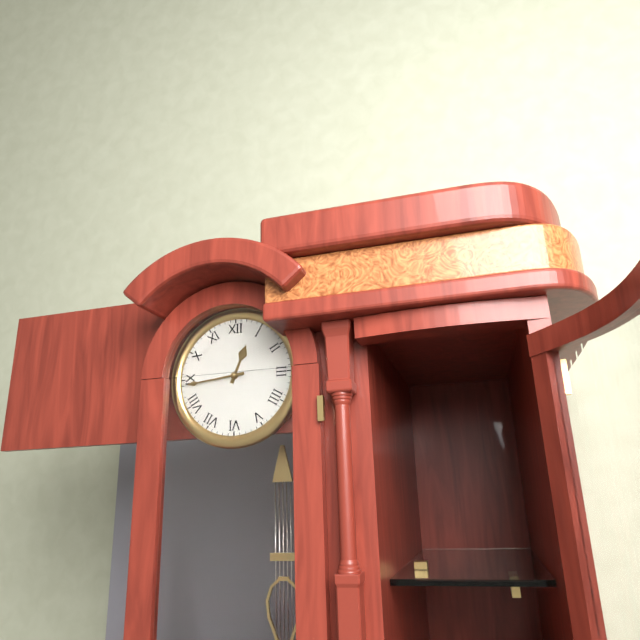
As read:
12:44
